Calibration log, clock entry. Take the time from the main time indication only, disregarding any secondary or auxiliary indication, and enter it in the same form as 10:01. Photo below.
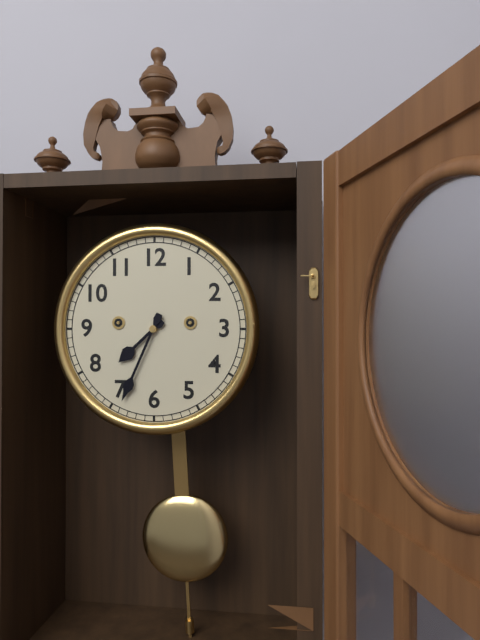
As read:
7:34
